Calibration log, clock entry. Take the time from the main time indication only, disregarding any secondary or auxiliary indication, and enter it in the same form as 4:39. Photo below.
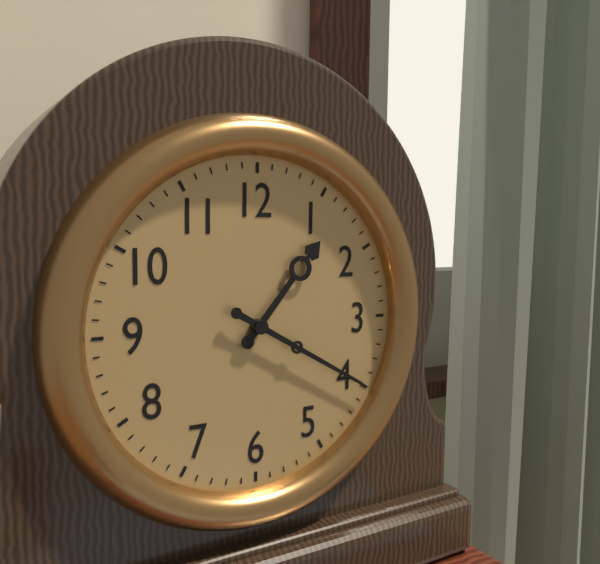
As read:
1:20
